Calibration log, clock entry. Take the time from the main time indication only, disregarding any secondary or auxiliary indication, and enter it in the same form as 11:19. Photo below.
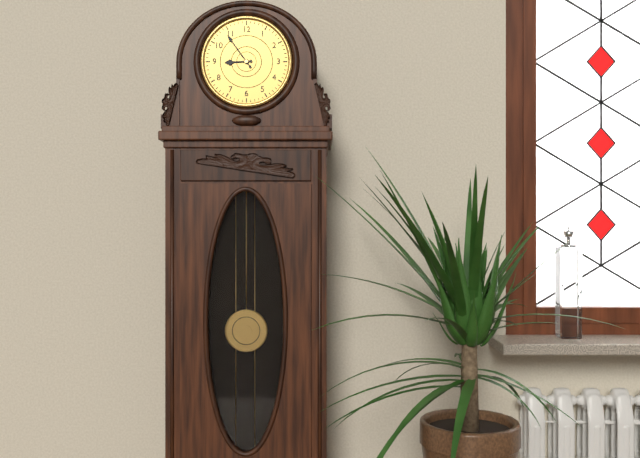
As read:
8:54
